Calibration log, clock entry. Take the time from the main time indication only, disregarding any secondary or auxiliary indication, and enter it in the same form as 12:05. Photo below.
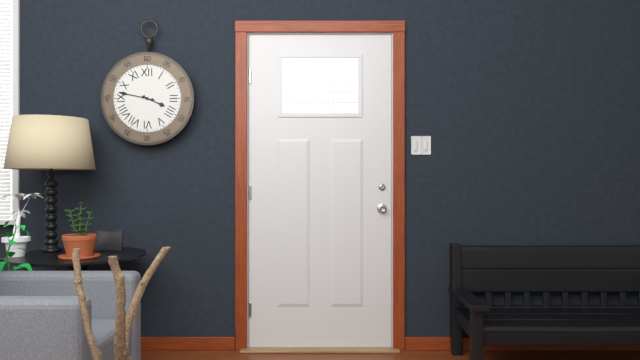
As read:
3:47
